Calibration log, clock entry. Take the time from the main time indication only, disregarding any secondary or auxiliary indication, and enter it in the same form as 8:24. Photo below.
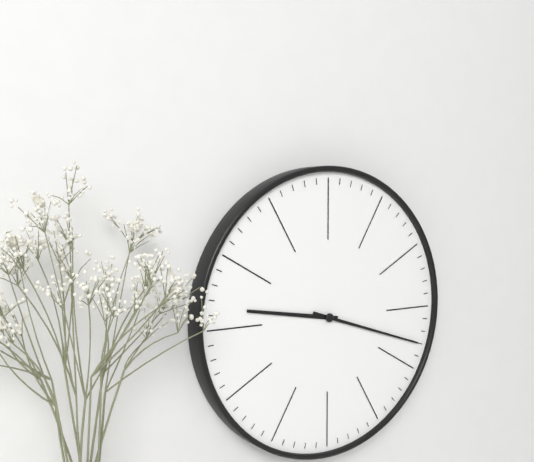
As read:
9:18
